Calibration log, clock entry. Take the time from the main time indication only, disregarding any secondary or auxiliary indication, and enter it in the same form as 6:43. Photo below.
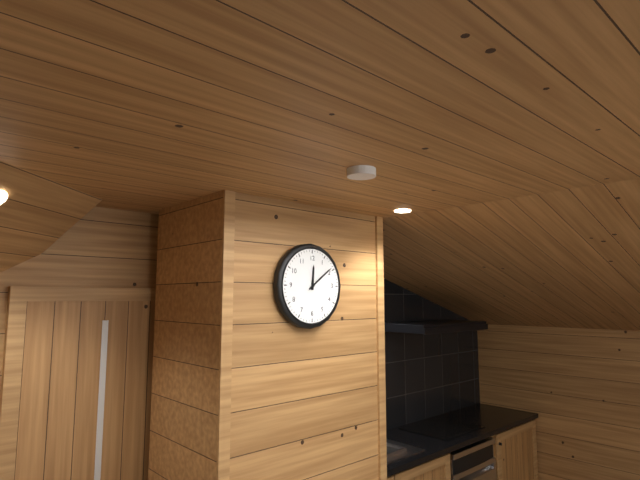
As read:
12:09
